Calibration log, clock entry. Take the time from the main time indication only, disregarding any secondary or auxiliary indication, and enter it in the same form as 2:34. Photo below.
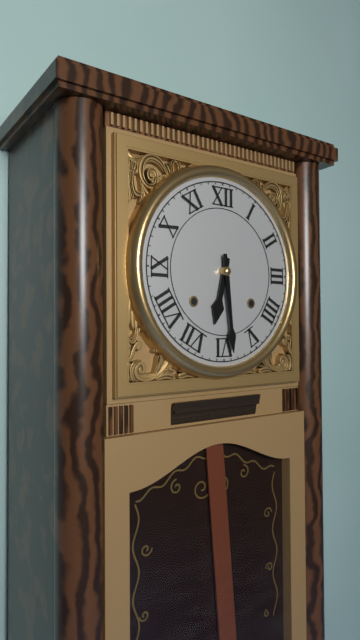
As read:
6:29
